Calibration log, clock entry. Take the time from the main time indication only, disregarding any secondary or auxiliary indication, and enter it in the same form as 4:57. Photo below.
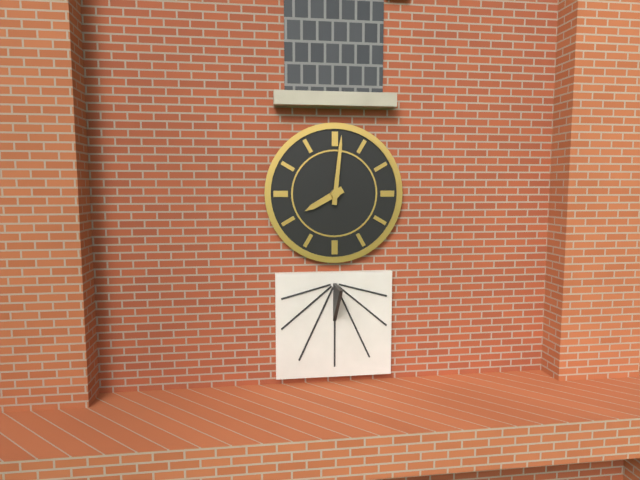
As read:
8:01
